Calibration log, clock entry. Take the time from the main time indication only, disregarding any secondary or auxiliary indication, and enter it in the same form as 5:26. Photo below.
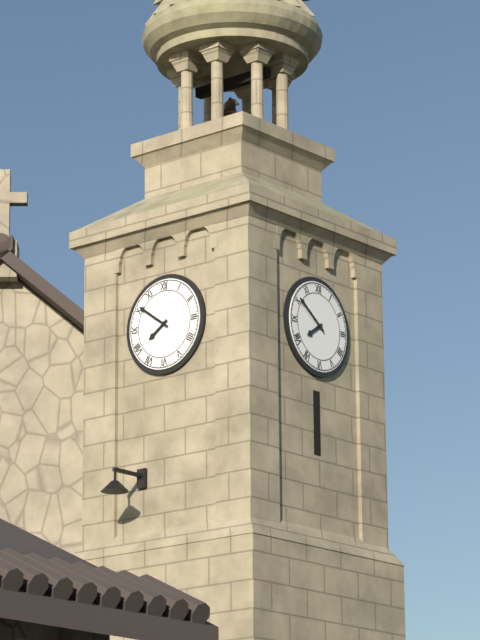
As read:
7:51
